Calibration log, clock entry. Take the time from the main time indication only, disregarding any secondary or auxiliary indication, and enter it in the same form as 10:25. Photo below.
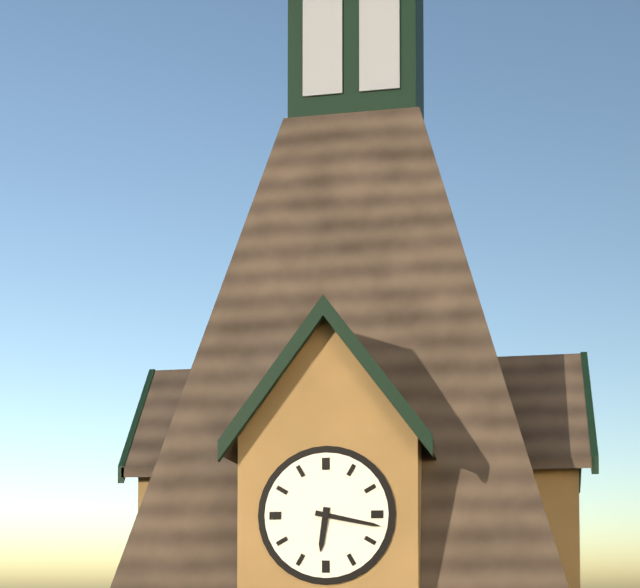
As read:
6:17
